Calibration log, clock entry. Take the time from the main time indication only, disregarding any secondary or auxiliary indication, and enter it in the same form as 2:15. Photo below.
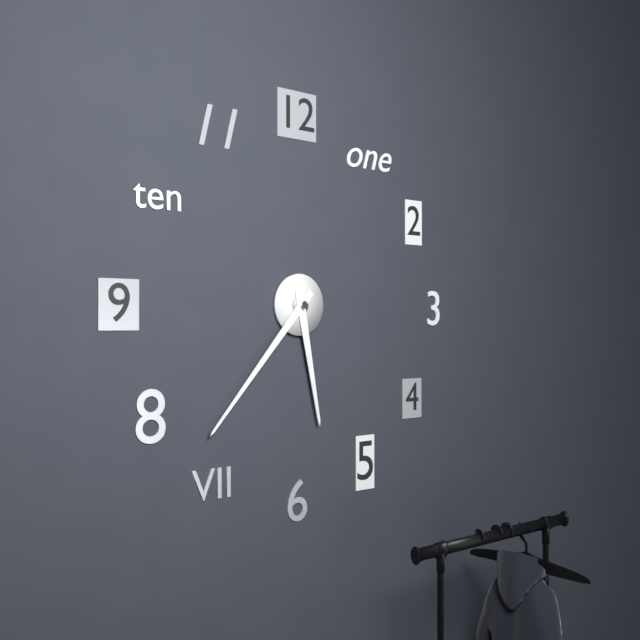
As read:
5:37
